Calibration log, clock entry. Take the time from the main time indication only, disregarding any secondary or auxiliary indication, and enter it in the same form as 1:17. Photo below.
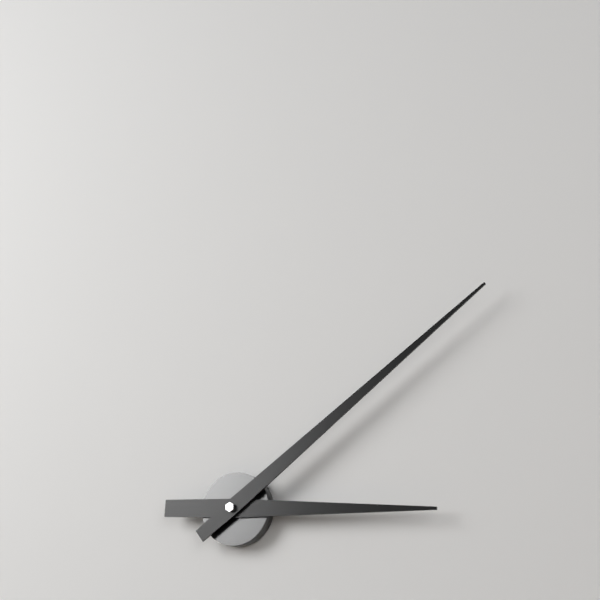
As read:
3:09
